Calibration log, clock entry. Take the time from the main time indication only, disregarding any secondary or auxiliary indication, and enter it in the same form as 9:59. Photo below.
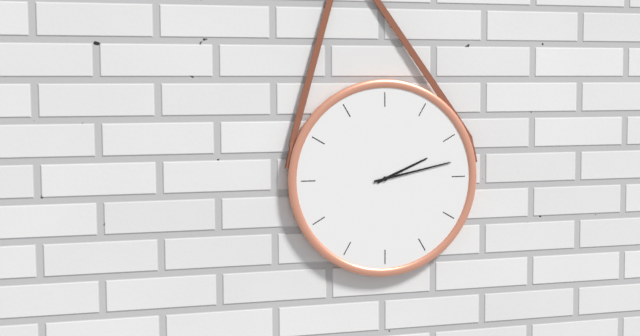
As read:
2:13
